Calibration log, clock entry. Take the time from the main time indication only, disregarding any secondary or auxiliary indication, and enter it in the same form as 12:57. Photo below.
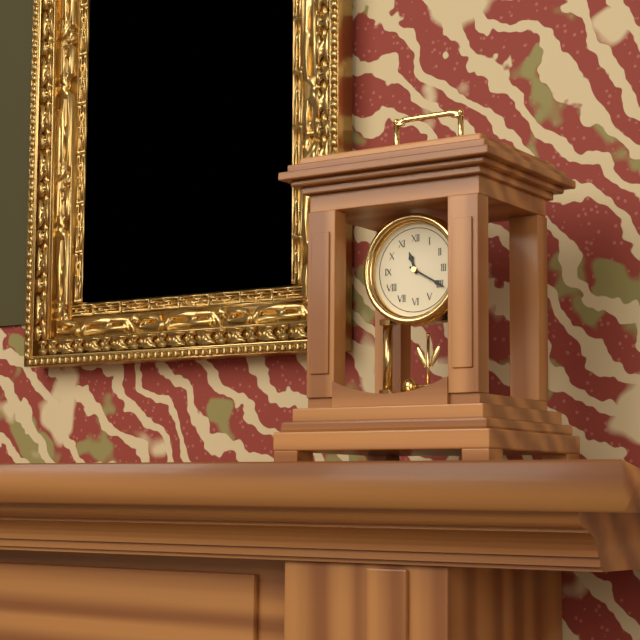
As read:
11:20
